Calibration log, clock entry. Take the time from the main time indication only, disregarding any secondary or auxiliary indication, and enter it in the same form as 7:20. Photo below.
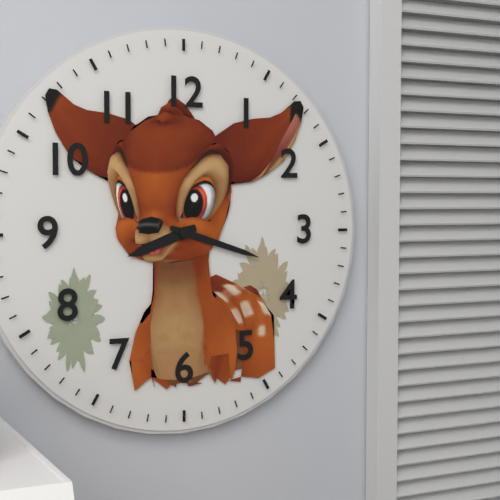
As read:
8:18
